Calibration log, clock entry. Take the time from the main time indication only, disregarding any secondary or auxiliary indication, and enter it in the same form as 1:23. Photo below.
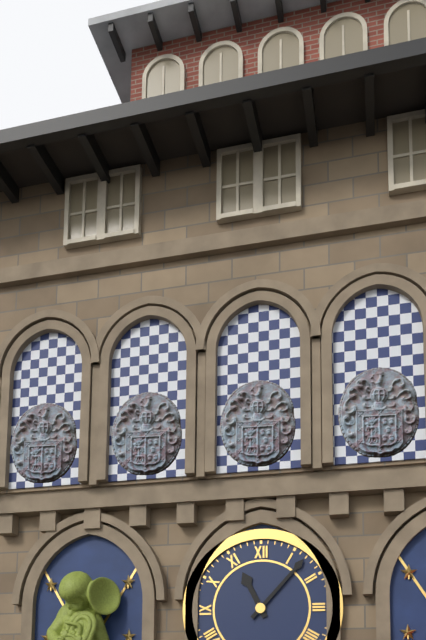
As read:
11:07
